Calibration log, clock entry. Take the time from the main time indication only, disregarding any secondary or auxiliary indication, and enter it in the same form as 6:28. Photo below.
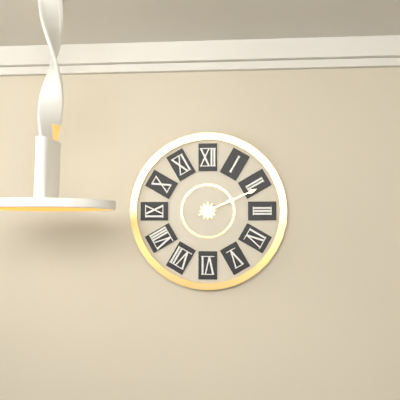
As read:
2:11
